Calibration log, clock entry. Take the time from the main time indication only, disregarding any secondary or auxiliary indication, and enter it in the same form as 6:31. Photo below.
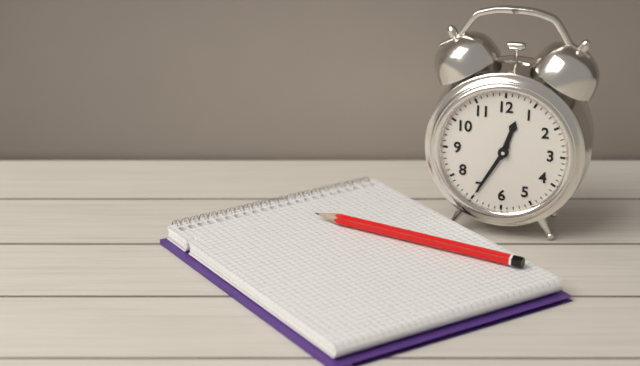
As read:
12:35
